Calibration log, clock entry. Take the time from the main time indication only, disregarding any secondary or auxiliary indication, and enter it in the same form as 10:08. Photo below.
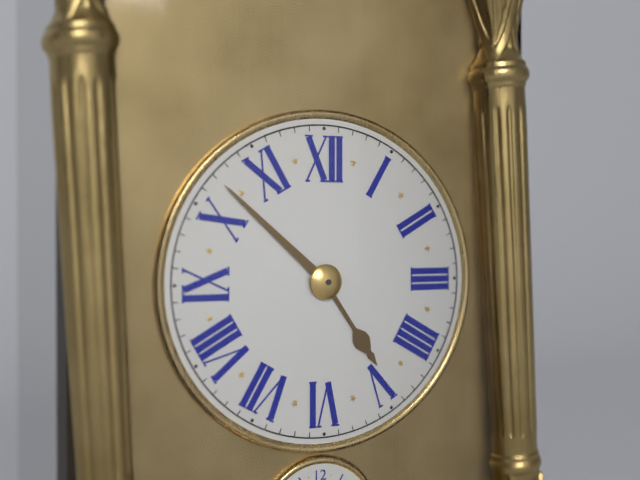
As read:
4:52
